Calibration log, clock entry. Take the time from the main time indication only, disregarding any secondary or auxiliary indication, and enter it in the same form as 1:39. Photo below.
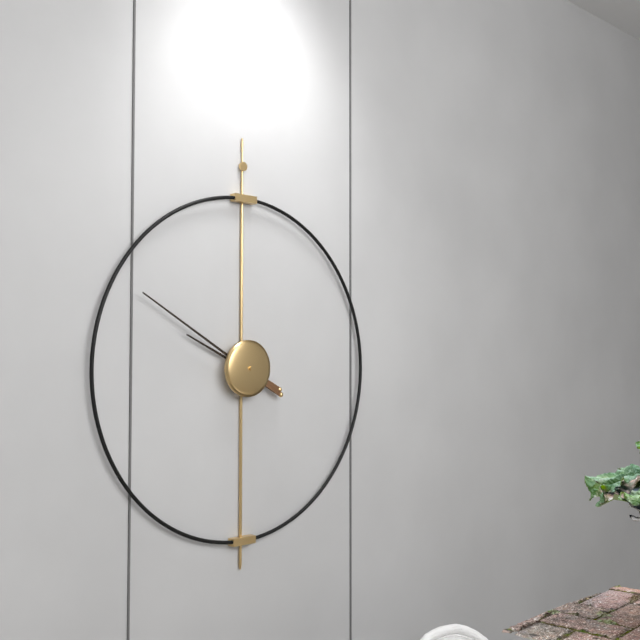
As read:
9:50
